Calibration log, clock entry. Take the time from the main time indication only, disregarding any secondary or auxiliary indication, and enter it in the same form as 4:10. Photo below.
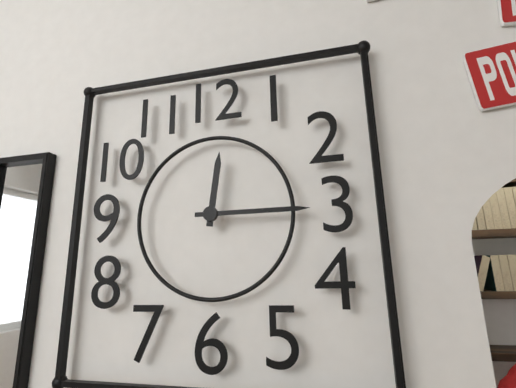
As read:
12:15
